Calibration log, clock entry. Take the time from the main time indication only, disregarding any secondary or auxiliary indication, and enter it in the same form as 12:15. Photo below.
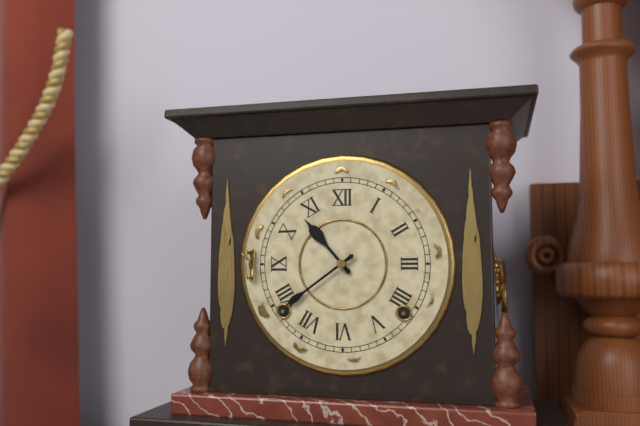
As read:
10:39
